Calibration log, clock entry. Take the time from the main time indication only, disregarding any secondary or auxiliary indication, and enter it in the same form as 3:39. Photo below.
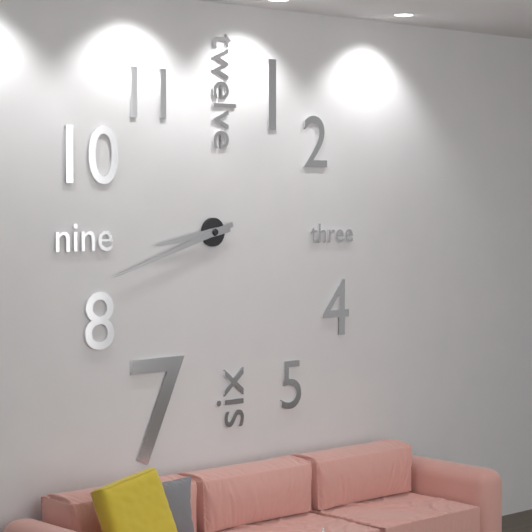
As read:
8:42
